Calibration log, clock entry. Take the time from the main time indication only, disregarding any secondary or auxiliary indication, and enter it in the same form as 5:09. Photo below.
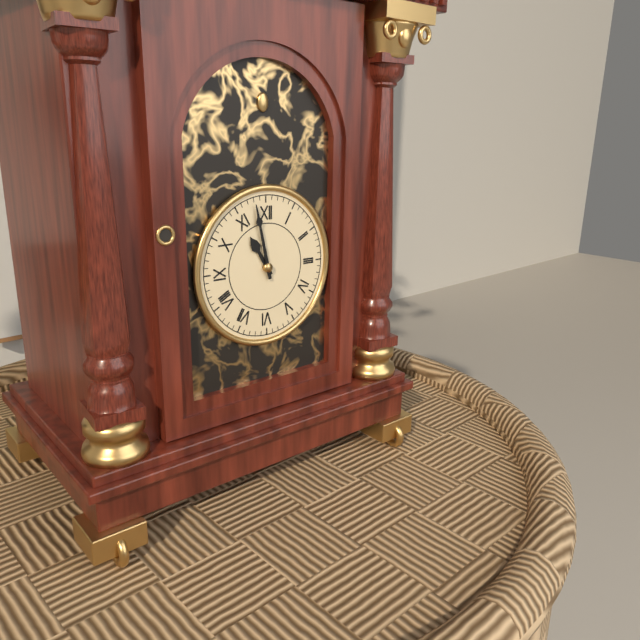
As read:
10:58
